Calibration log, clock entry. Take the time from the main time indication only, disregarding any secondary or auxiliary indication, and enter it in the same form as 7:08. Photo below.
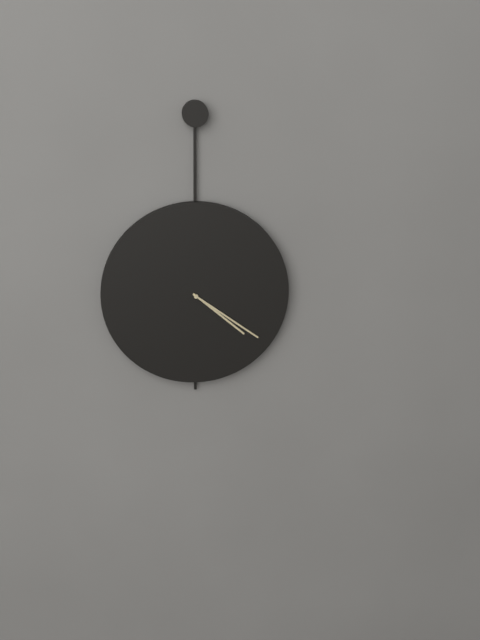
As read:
4:21
